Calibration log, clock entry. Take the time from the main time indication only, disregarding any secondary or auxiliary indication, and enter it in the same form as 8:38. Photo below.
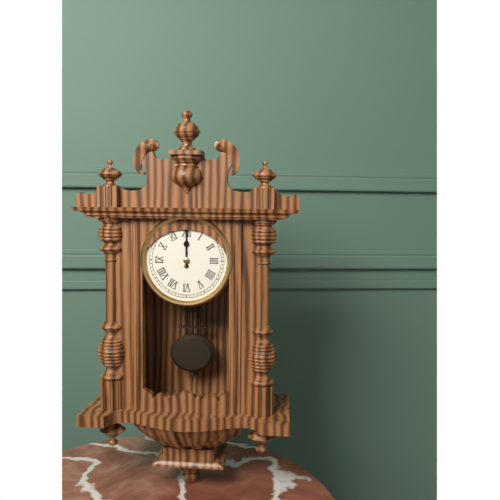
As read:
12:00
